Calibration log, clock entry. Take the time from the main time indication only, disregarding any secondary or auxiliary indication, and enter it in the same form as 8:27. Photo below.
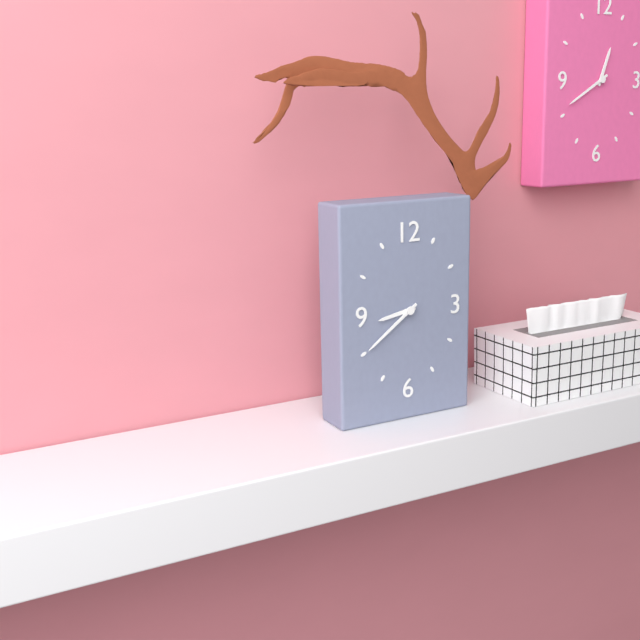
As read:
8:39
